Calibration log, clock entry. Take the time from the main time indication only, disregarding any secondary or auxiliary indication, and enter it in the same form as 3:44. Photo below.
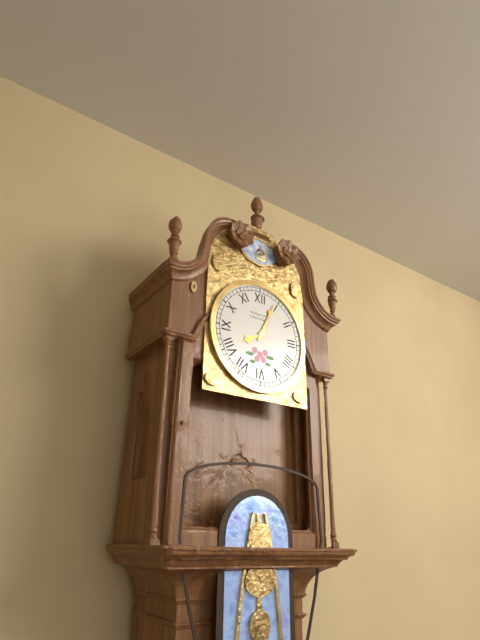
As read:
8:04
